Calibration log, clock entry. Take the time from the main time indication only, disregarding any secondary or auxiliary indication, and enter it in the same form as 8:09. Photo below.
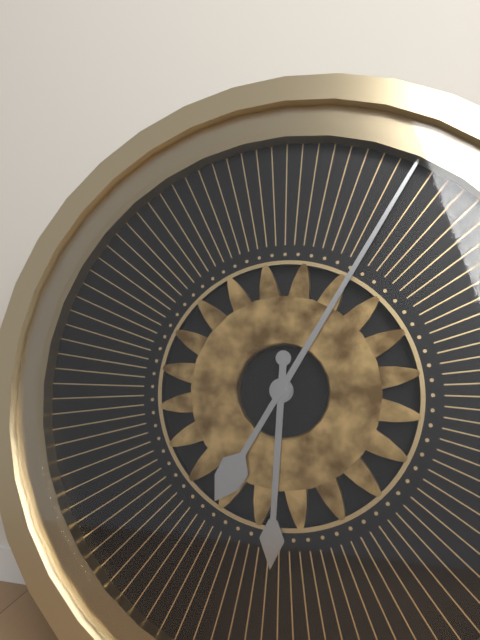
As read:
6:05
